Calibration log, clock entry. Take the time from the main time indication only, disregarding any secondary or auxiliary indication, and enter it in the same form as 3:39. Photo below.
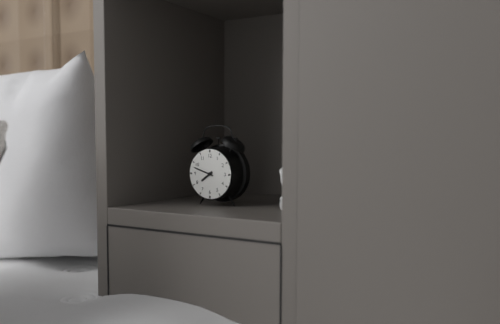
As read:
7:48
